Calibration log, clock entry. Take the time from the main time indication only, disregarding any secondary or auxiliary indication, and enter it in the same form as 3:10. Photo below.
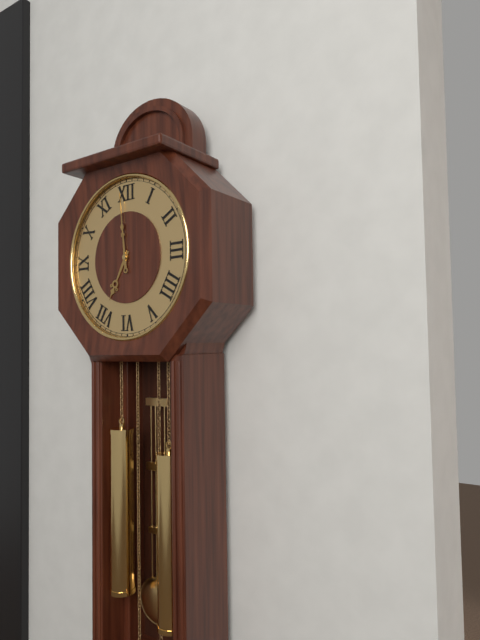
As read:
6:59
